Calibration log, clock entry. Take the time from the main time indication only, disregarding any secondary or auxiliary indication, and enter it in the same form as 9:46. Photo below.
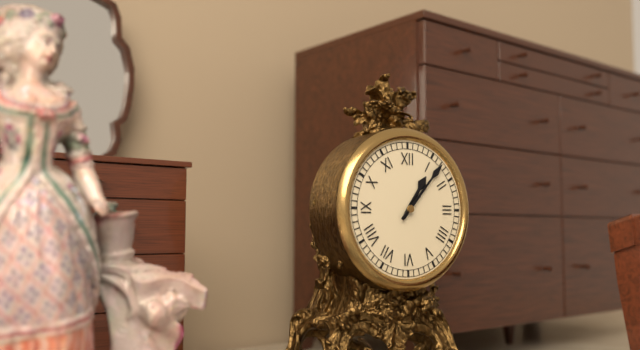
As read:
1:07
